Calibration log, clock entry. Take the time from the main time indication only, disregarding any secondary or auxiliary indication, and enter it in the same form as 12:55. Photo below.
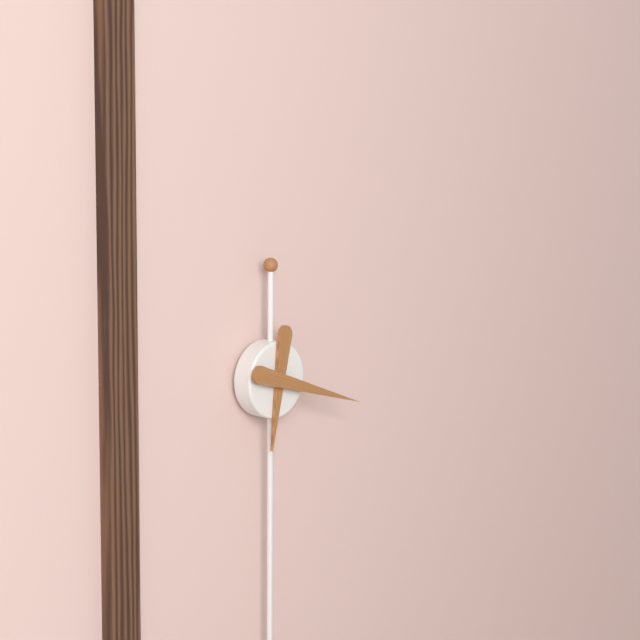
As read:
6:18
